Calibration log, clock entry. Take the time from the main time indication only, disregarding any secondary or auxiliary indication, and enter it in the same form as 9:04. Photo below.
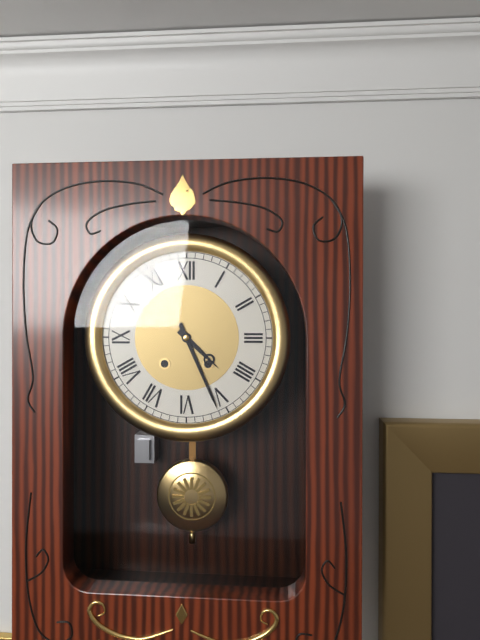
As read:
4:26
